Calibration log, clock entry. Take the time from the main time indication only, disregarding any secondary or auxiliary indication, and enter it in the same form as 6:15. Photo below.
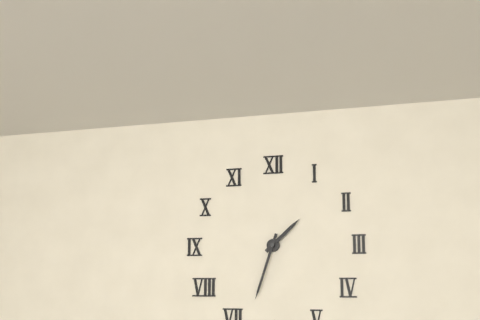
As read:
1:33
